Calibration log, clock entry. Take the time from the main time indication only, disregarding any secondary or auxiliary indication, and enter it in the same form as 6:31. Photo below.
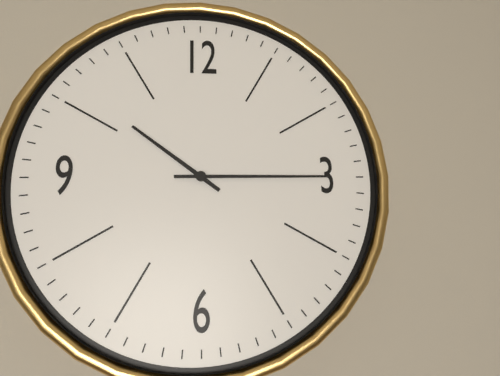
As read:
10:15
